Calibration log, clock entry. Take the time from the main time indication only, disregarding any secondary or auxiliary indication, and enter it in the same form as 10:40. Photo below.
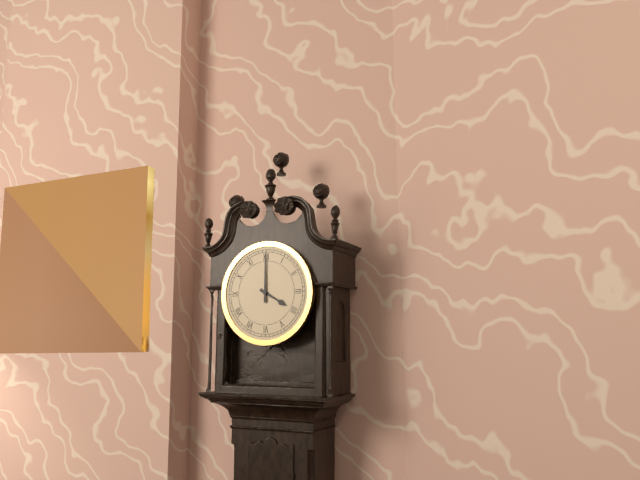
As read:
4:00
